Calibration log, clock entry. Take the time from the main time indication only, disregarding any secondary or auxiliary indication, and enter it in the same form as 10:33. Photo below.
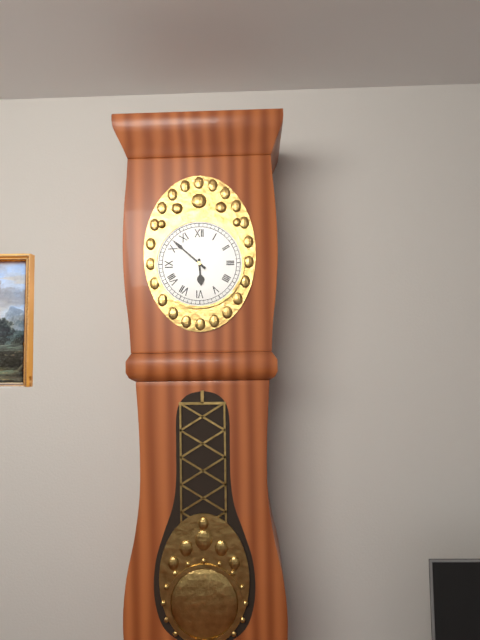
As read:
5:52
